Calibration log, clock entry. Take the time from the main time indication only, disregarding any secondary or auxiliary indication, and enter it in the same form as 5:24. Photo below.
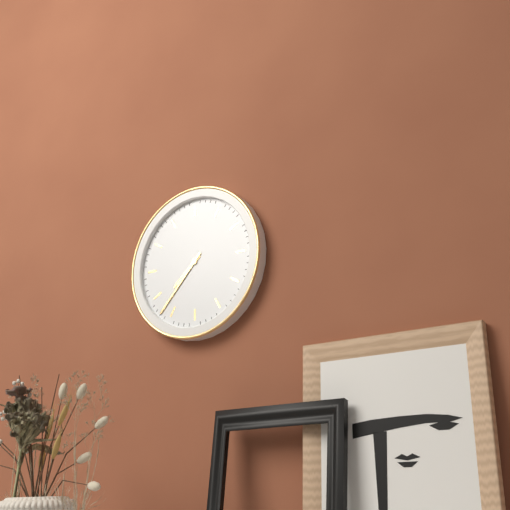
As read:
7:37
